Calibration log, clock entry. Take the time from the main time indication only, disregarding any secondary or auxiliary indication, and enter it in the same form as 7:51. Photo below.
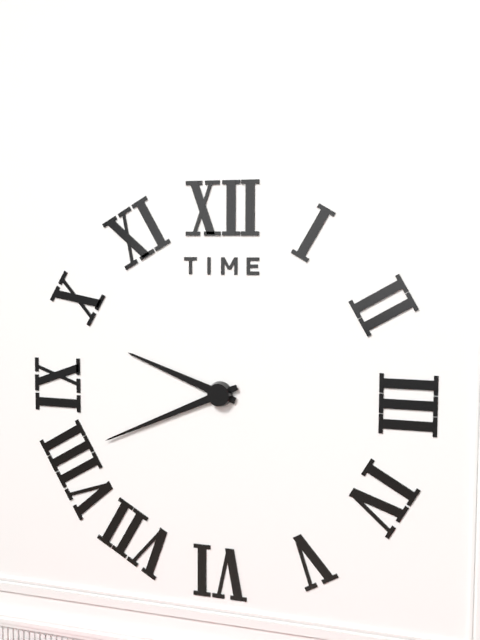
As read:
9:41
